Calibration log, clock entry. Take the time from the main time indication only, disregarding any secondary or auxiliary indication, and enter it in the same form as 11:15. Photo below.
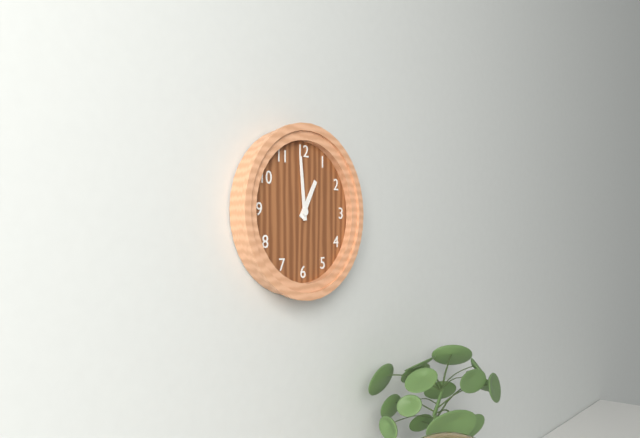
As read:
12:59
